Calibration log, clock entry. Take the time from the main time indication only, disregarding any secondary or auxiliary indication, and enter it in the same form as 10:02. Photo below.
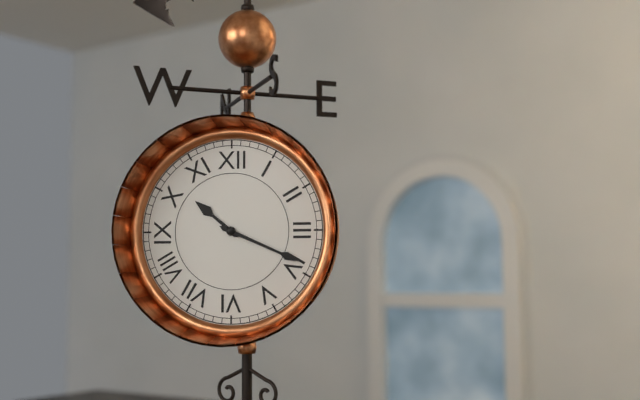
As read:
10:19
